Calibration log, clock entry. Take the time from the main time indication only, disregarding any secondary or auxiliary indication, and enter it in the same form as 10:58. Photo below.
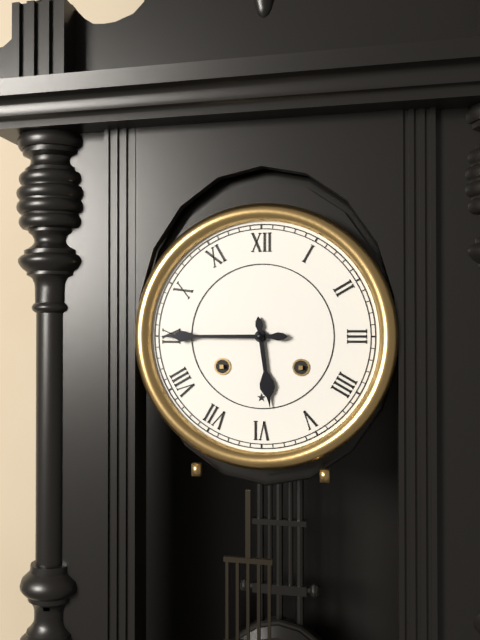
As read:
5:45
